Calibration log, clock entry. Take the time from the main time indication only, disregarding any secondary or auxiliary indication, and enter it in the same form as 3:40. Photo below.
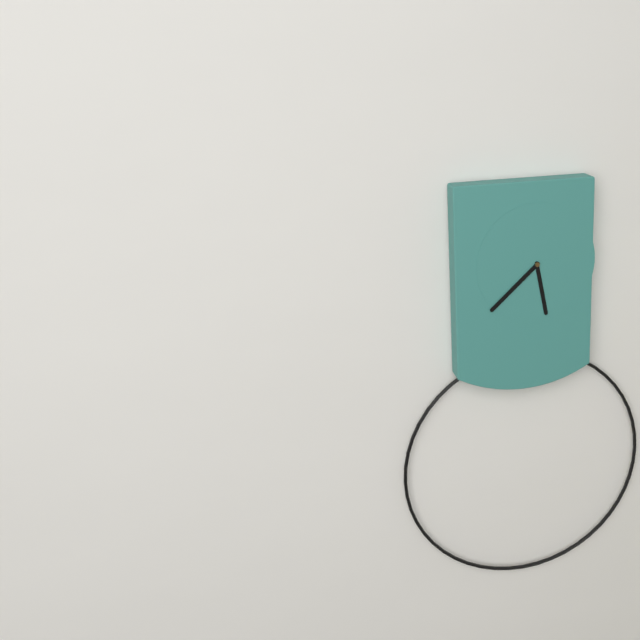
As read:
5:38
